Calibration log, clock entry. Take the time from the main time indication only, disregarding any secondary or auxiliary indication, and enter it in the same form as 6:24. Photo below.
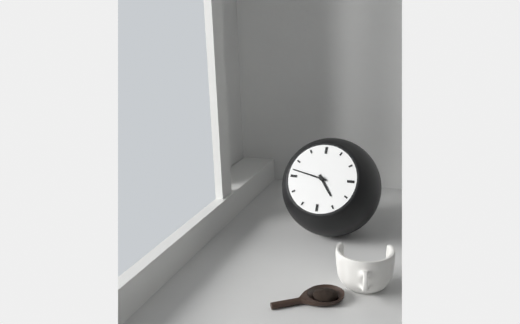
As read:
4:47
